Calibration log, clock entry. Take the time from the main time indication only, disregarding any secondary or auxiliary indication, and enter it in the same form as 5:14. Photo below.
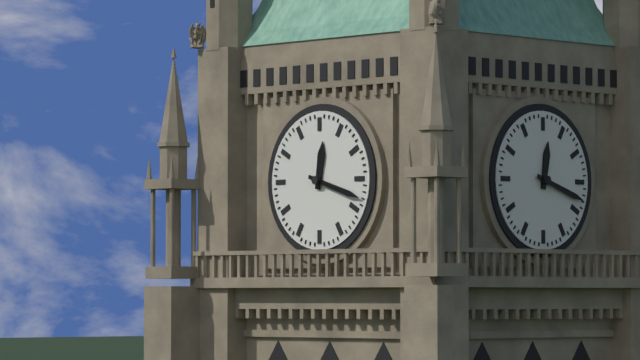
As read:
12:18
